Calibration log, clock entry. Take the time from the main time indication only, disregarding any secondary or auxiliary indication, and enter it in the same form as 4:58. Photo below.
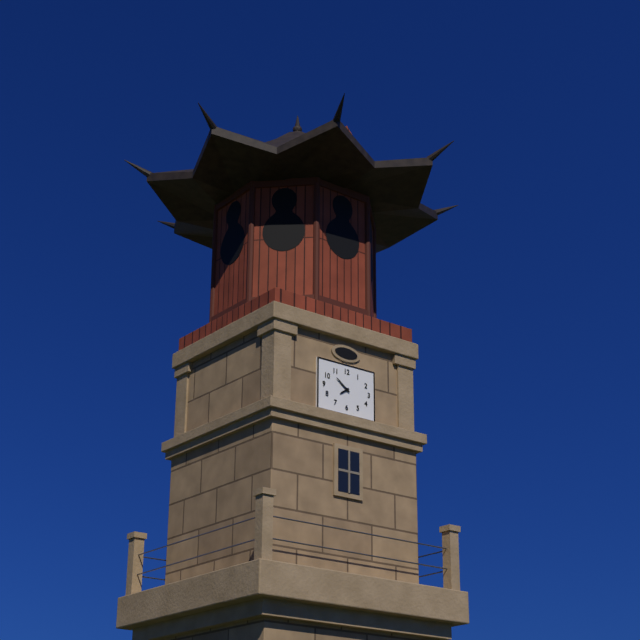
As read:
7:51
